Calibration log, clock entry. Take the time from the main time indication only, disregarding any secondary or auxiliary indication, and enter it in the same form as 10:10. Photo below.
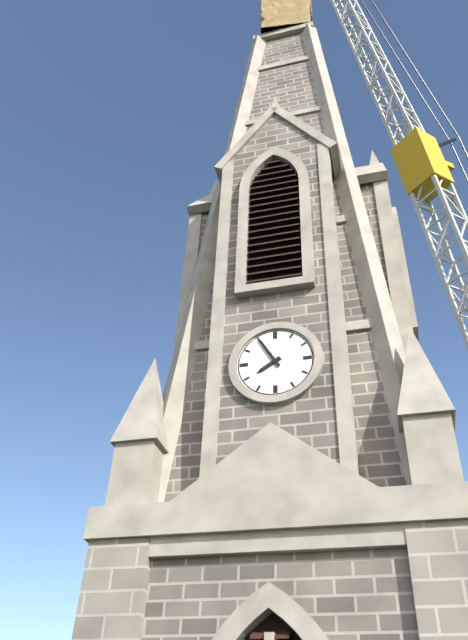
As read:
7:55
